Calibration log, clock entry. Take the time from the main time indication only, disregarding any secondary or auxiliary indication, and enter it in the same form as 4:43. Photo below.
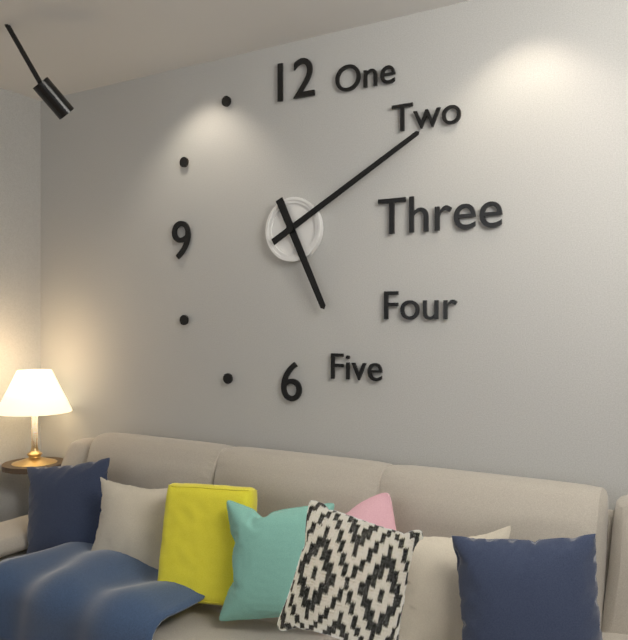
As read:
5:10
